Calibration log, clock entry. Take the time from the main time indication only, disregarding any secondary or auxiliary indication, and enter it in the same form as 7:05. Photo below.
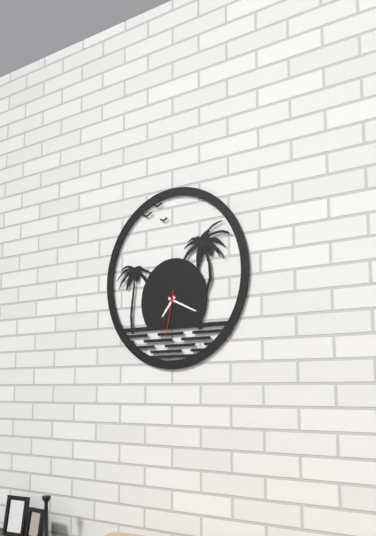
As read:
7:19
